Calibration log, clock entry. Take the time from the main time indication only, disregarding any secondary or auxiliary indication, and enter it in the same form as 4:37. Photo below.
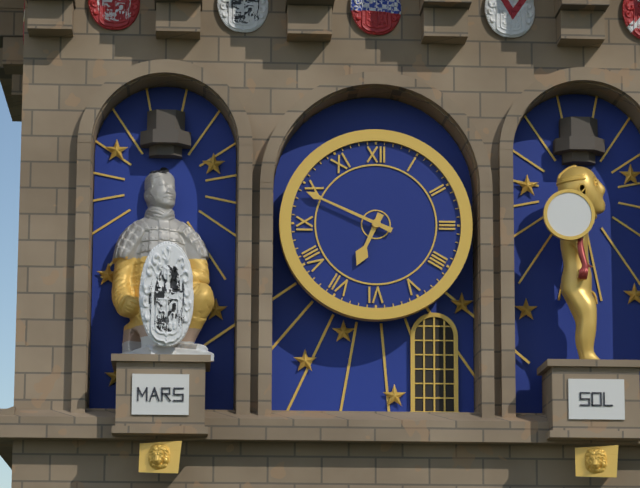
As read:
6:49
